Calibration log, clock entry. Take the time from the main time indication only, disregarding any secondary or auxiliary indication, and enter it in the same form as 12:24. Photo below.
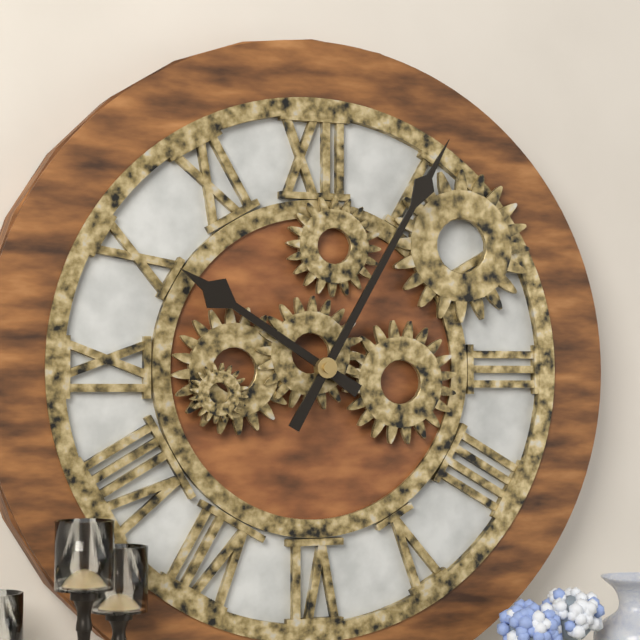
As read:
10:05
